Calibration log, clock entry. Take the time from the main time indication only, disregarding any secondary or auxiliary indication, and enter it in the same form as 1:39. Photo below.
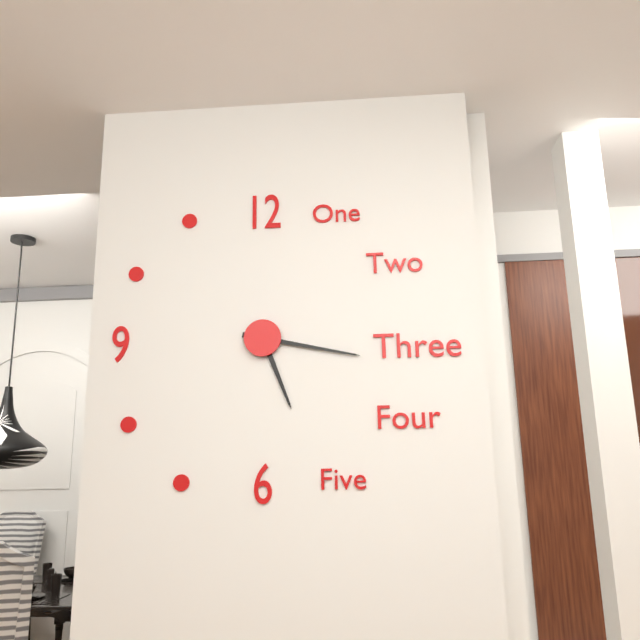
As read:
5:17
